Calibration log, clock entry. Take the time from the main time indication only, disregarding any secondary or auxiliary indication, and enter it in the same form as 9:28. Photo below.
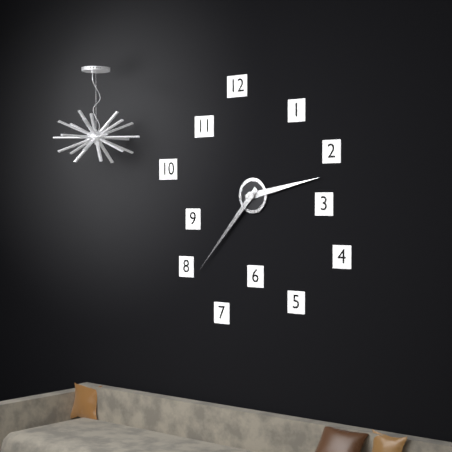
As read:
2:37
